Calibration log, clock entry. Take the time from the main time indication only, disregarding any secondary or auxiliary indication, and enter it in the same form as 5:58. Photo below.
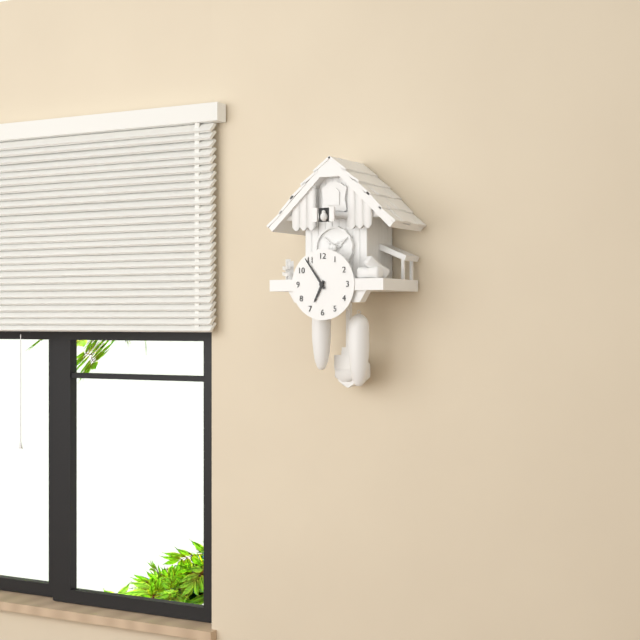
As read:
6:54
